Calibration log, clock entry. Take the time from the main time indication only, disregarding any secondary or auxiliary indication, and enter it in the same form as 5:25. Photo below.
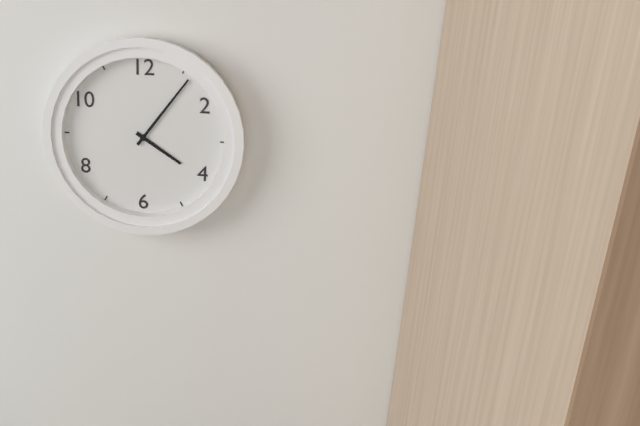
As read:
4:06
